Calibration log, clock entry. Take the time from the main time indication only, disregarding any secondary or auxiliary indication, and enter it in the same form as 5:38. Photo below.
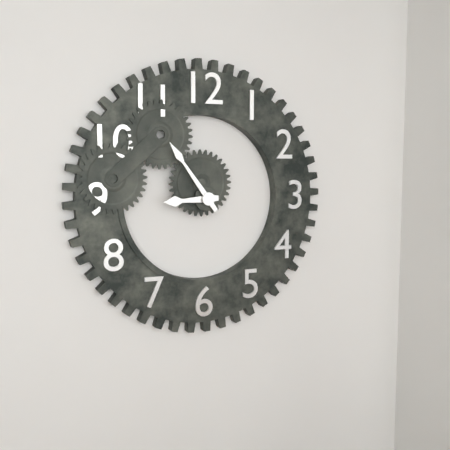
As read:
8:54
